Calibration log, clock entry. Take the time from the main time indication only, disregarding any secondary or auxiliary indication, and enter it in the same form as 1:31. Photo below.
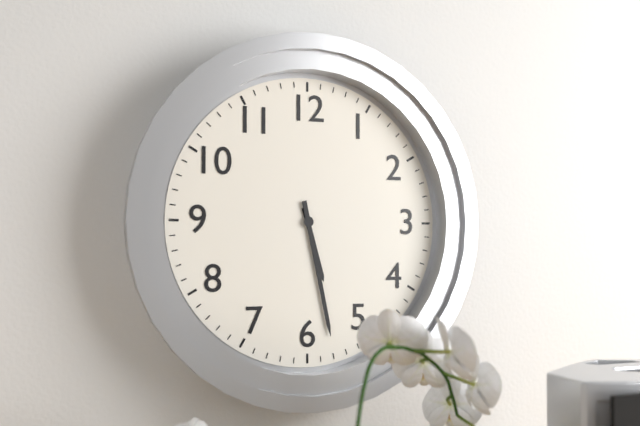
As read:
5:28
